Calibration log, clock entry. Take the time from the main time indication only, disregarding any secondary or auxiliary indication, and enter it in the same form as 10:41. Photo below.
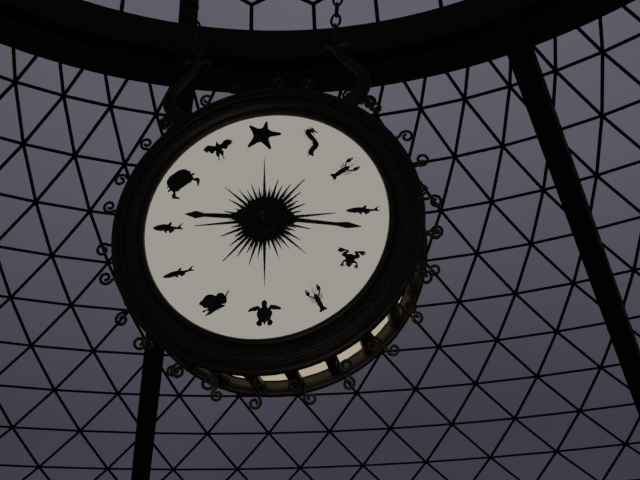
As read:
9:17
